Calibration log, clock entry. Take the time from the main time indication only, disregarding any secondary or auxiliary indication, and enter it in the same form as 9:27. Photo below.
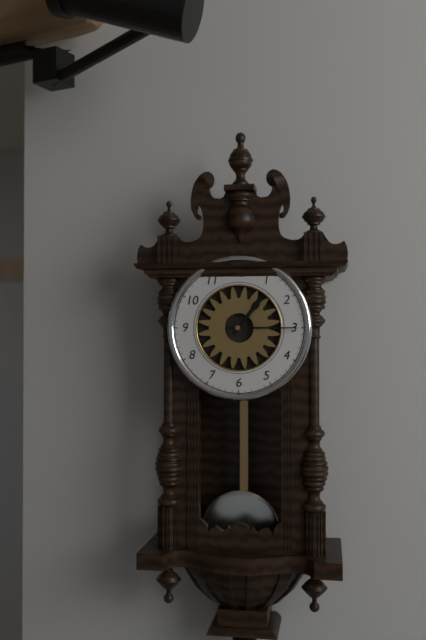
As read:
1:15
